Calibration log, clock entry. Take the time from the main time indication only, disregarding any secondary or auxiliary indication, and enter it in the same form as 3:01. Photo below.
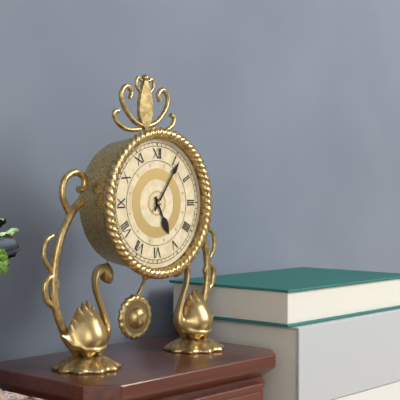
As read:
5:06
